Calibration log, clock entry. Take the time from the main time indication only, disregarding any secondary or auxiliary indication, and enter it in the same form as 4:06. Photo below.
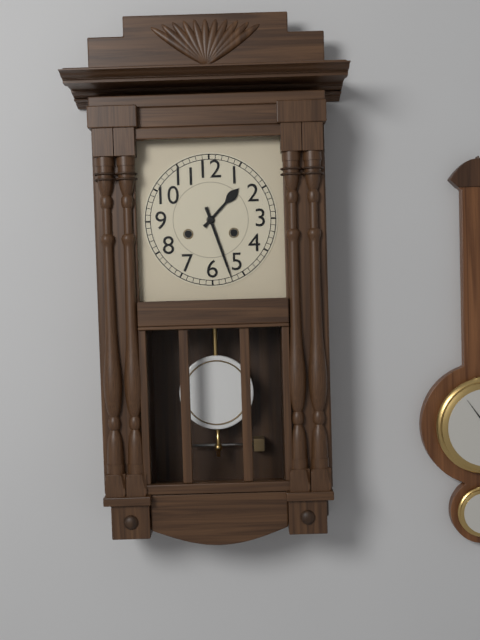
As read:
1:27
